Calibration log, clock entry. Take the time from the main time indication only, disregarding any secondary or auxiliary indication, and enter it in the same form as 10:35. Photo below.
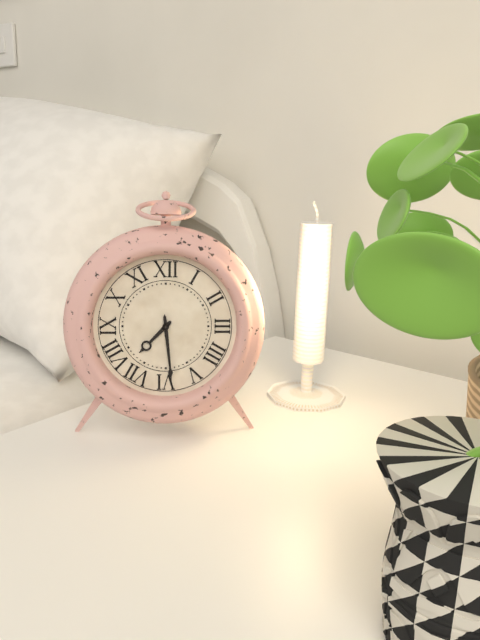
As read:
7:29
